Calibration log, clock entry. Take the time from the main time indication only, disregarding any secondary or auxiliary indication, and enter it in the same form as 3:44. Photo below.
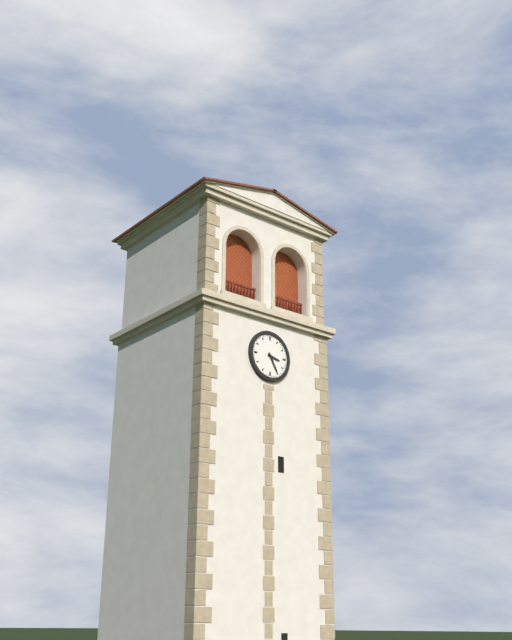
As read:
3:25
